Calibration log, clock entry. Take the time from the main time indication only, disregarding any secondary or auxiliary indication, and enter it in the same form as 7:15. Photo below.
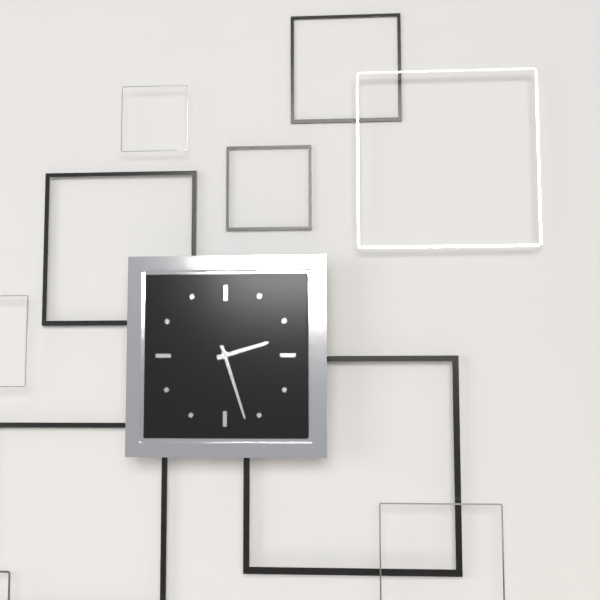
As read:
2:27
